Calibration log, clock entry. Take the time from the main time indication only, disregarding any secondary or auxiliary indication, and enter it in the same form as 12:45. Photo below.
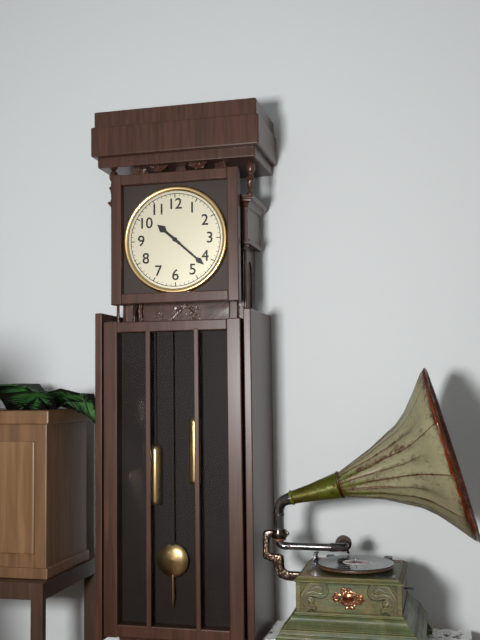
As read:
10:22
